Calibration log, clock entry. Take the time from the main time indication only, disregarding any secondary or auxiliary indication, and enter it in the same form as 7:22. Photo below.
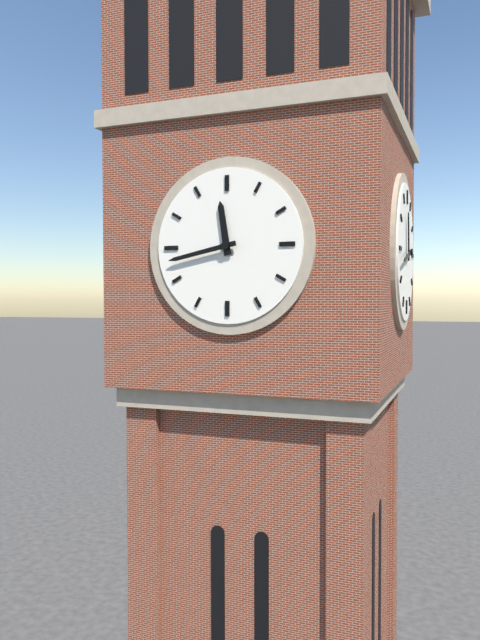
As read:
11:43
